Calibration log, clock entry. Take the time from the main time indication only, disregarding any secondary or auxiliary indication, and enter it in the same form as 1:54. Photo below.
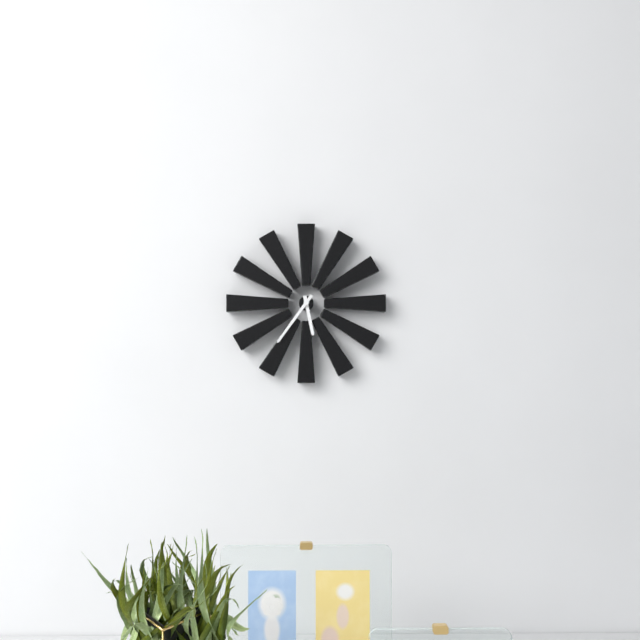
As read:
5:36
